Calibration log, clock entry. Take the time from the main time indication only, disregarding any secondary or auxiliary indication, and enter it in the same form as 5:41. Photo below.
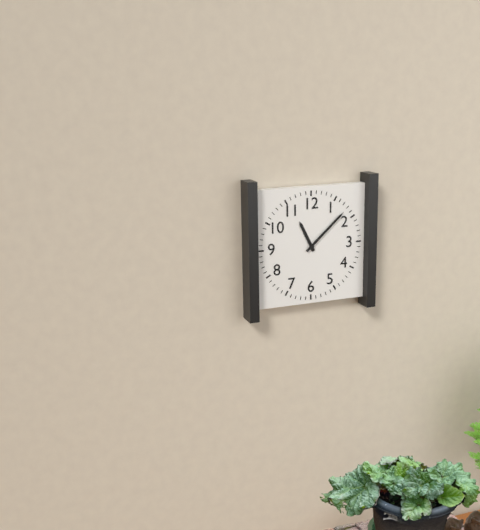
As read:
11:08
